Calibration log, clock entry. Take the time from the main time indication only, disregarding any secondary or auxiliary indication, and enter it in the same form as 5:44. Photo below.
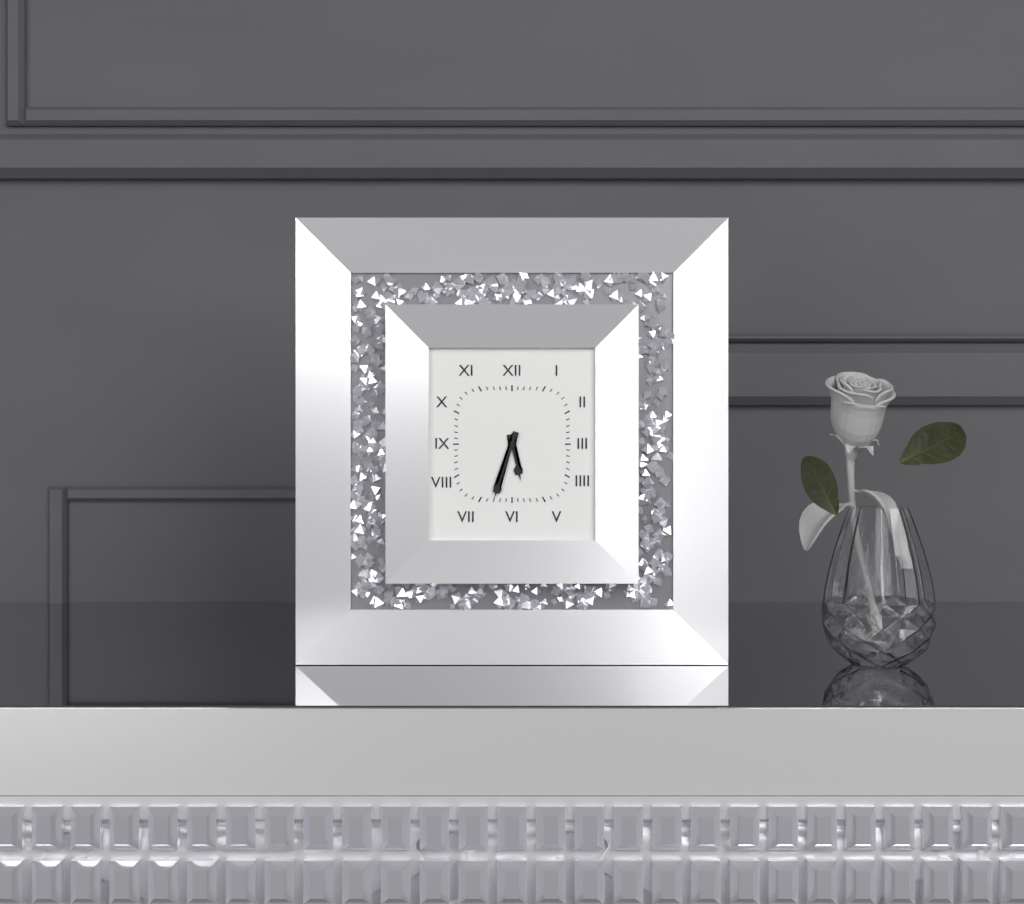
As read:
5:33
